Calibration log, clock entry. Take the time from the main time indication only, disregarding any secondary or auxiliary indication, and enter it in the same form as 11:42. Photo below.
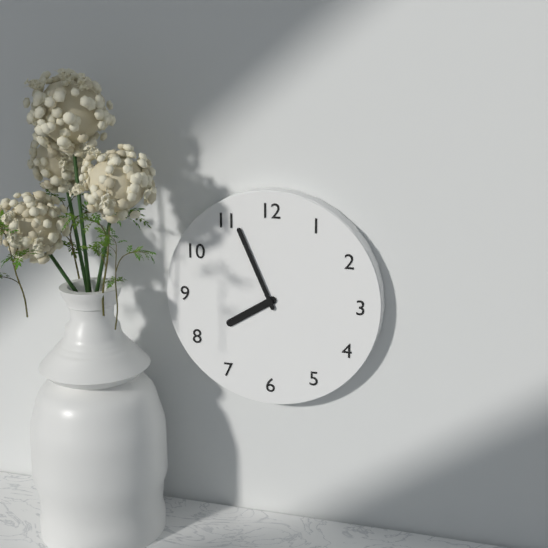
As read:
7:56
